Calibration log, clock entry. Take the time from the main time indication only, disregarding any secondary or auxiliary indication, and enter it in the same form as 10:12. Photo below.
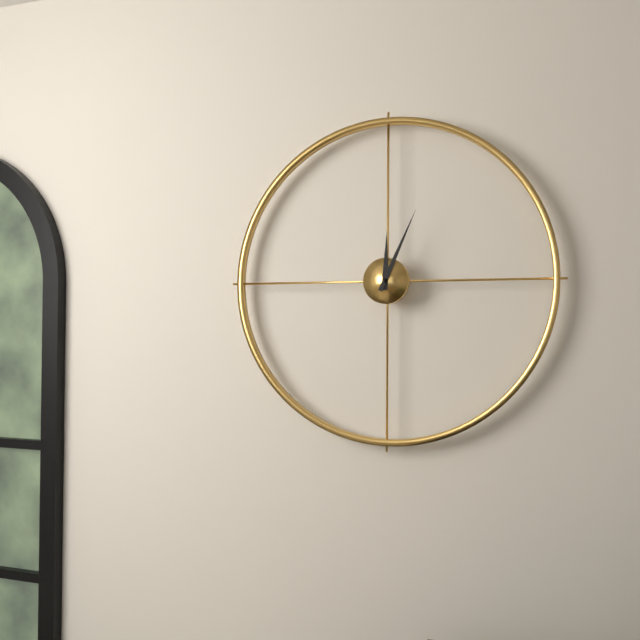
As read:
12:04
